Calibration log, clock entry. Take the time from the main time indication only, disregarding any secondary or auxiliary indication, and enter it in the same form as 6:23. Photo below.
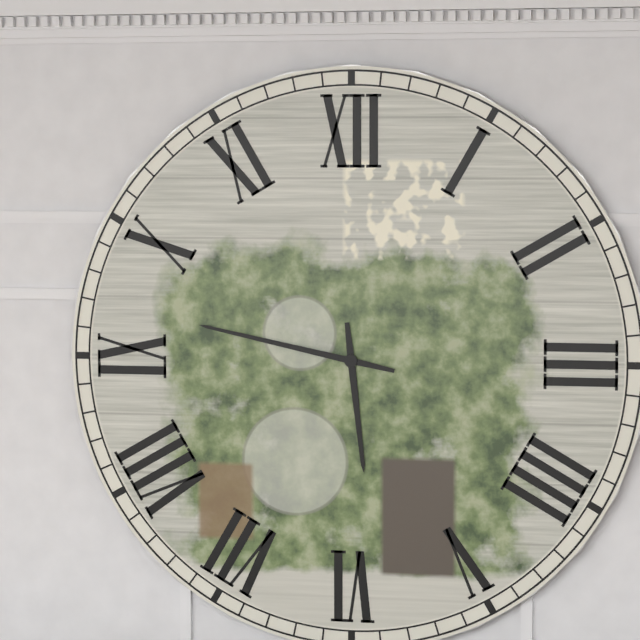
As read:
5:47
